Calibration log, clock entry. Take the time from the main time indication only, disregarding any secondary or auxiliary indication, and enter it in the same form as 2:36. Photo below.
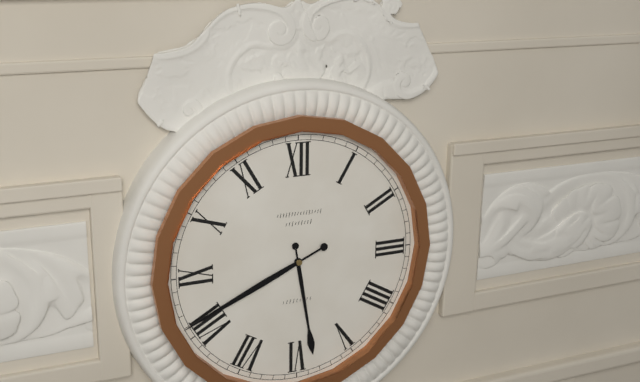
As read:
5:41
